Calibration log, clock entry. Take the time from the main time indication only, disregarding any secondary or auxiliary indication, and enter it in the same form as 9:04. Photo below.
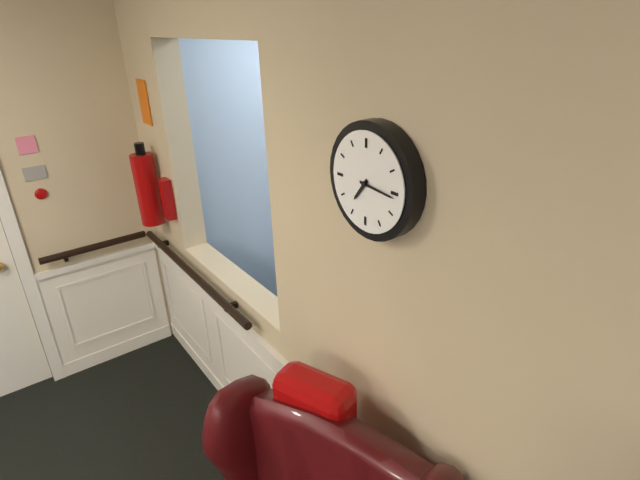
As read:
7:16
